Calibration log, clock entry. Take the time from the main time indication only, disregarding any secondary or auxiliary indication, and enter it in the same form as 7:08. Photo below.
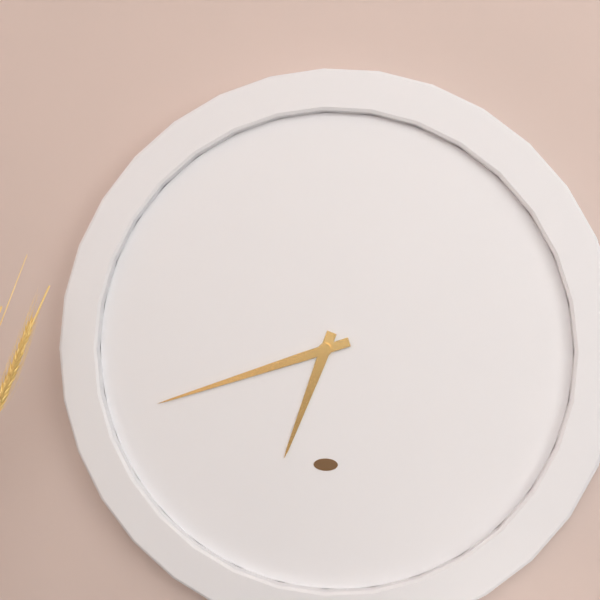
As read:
6:42
